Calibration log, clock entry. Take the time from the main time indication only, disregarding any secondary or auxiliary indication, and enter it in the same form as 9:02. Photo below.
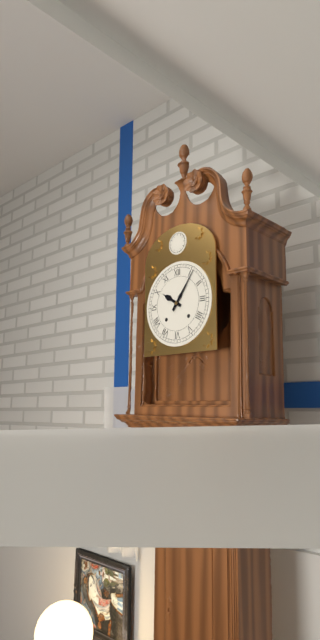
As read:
10:06
